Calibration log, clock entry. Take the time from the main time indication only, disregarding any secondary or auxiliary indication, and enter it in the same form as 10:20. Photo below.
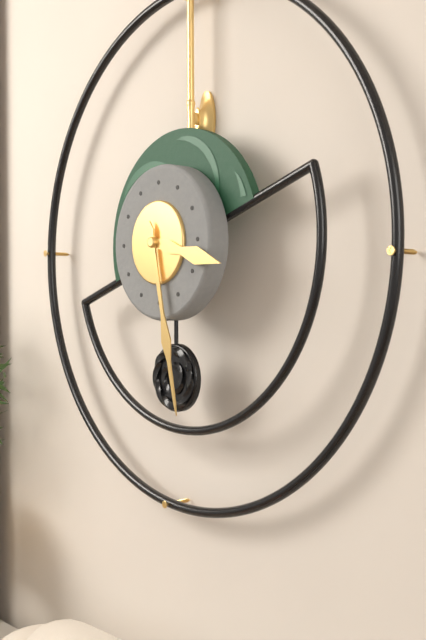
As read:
3:28
